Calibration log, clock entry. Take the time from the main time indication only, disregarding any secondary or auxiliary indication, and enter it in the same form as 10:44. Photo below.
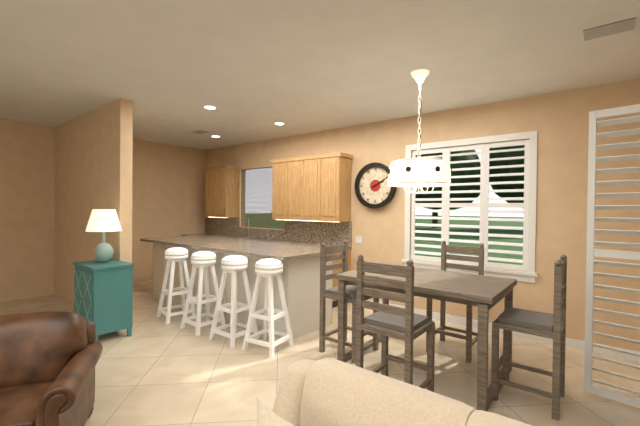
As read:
2:10
